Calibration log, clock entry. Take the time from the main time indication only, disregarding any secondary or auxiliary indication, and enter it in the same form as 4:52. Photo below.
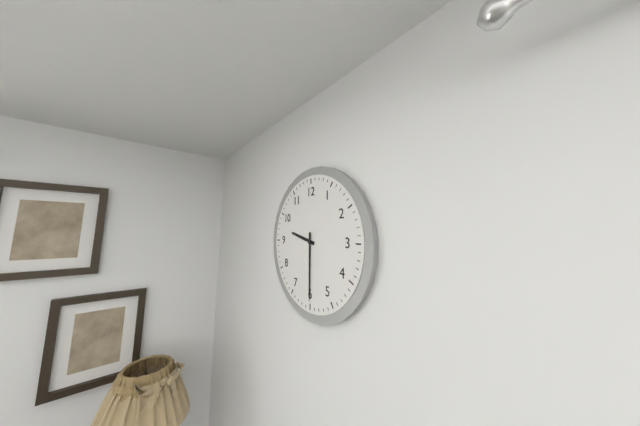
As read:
9:30
